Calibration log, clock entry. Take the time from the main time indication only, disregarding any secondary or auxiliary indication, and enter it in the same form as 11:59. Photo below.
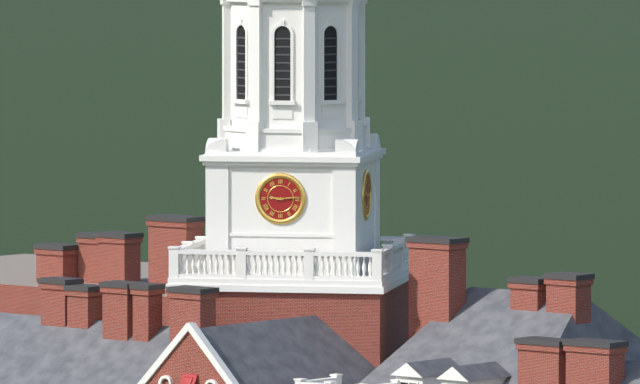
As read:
9:14
